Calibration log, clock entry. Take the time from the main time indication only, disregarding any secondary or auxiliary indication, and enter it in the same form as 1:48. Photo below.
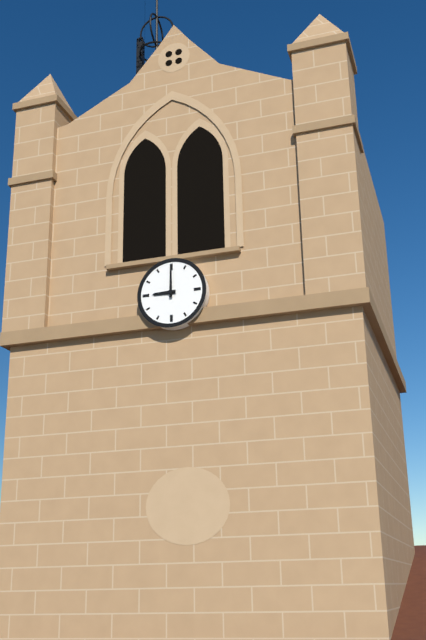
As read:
9:00
